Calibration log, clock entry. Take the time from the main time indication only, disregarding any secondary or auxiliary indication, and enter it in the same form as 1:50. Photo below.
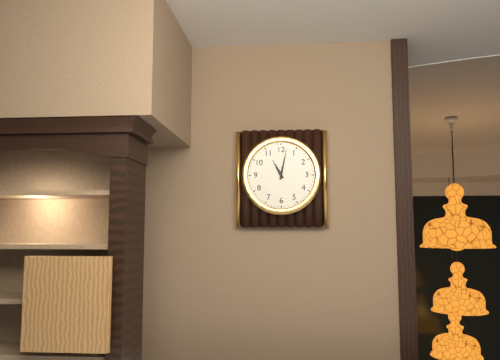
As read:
11:02
